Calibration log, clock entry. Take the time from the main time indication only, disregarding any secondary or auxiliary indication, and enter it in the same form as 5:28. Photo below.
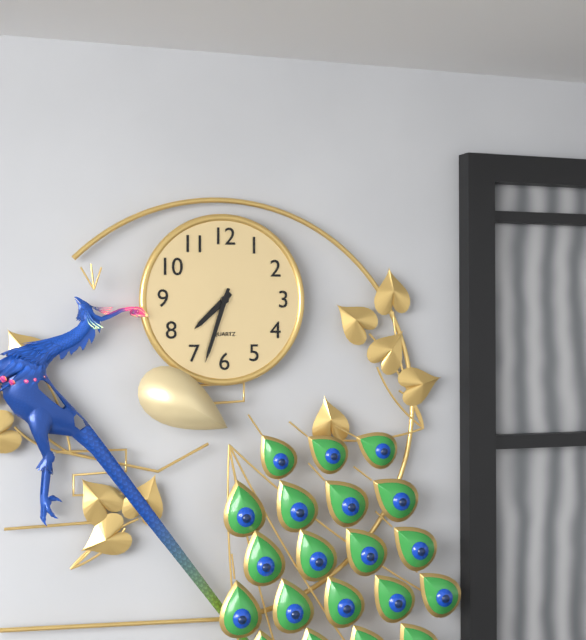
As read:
7:33
